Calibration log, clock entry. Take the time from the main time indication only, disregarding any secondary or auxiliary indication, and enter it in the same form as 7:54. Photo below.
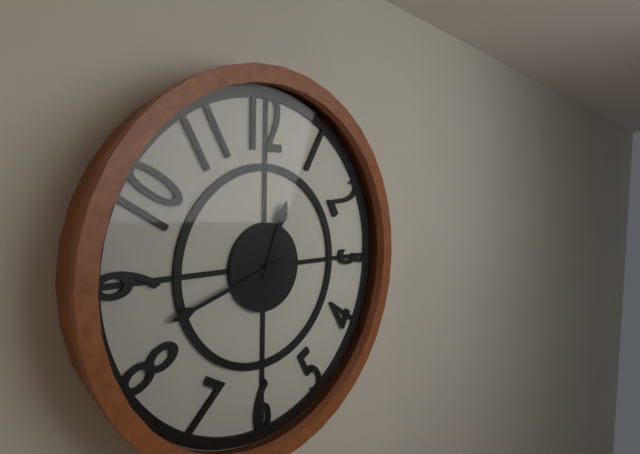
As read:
12:42
